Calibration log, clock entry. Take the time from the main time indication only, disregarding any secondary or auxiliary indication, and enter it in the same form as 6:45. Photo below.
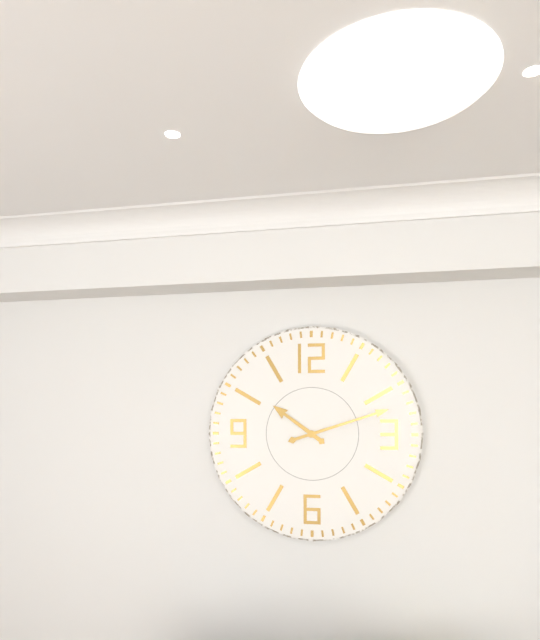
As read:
10:12
